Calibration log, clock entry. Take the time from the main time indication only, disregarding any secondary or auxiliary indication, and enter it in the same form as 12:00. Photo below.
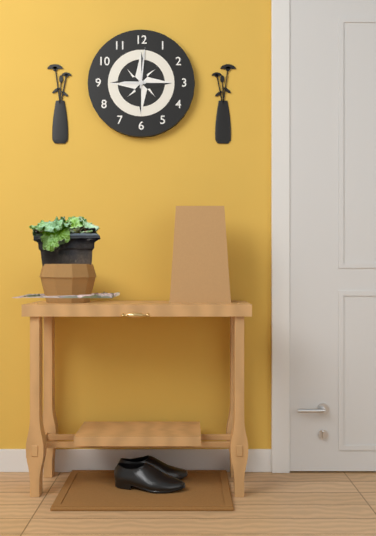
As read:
9:01
